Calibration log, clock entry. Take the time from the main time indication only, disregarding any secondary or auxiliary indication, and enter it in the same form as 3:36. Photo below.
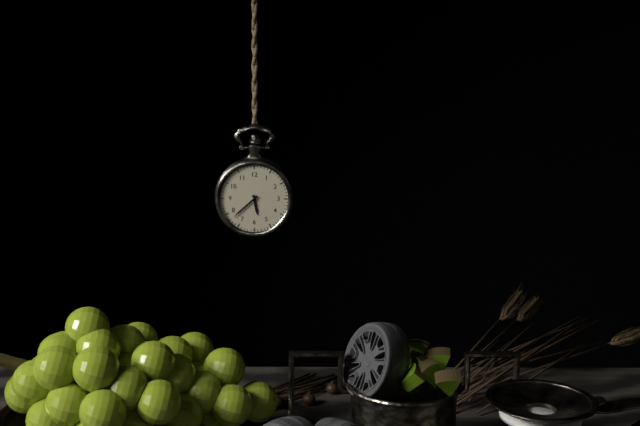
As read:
5:38
